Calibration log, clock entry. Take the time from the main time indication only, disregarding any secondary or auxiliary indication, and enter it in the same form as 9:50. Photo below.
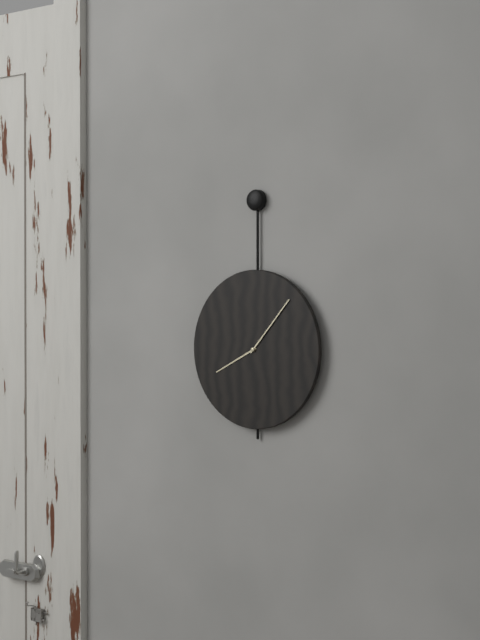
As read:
8:07
